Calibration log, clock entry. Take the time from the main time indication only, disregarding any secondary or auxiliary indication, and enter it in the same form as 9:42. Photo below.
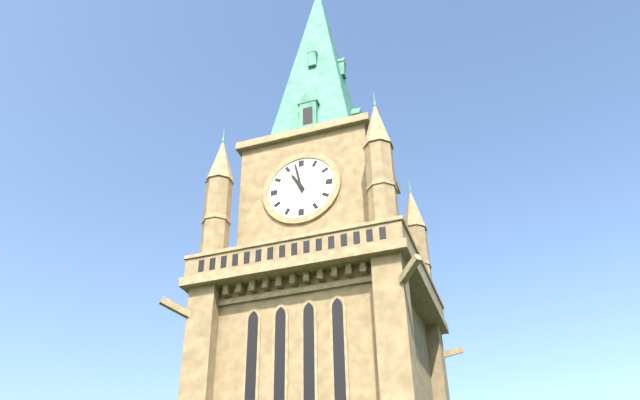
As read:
10:58
